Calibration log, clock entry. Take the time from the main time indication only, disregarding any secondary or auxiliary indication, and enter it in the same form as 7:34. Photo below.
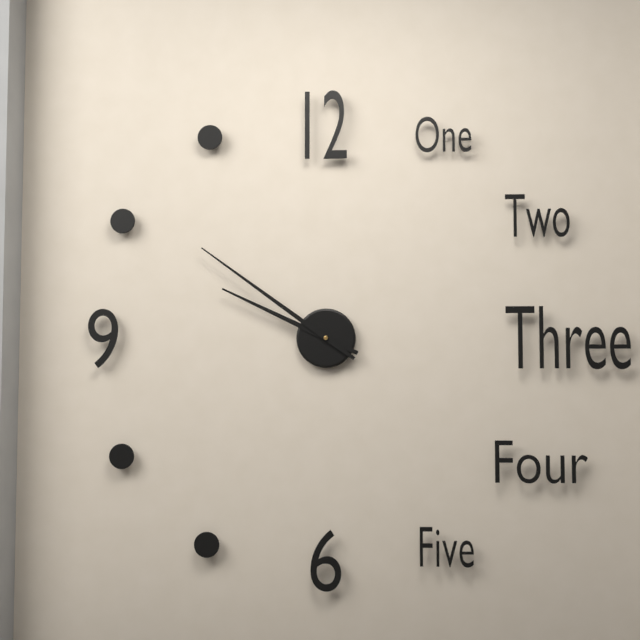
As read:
9:51
